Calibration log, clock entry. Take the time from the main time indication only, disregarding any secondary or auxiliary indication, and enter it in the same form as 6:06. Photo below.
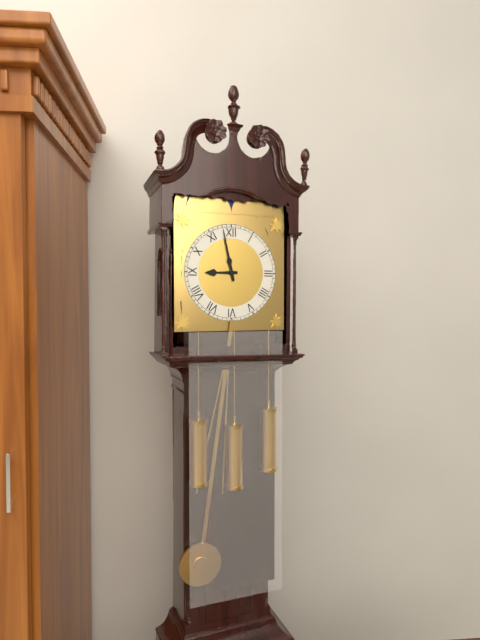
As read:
8:58
